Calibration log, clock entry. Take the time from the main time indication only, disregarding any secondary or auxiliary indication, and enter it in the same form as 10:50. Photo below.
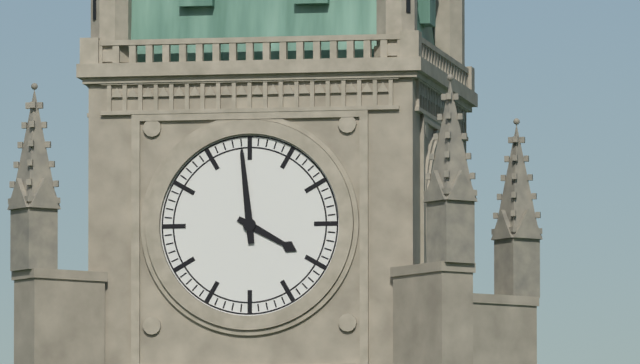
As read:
3:59
